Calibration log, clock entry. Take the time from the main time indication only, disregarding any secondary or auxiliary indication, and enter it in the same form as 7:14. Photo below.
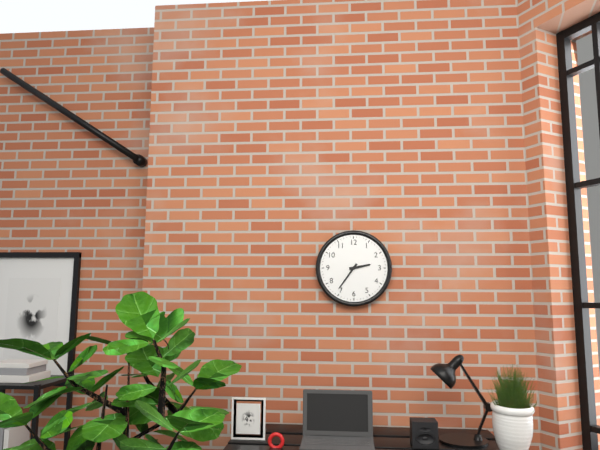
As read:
2:36
